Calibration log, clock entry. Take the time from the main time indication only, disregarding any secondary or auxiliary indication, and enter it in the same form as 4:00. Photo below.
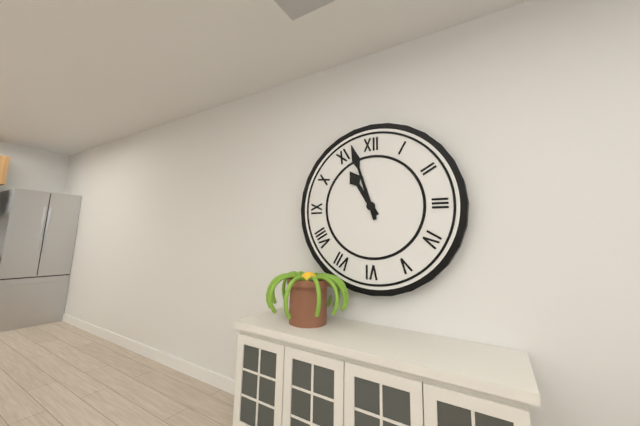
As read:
10:57
